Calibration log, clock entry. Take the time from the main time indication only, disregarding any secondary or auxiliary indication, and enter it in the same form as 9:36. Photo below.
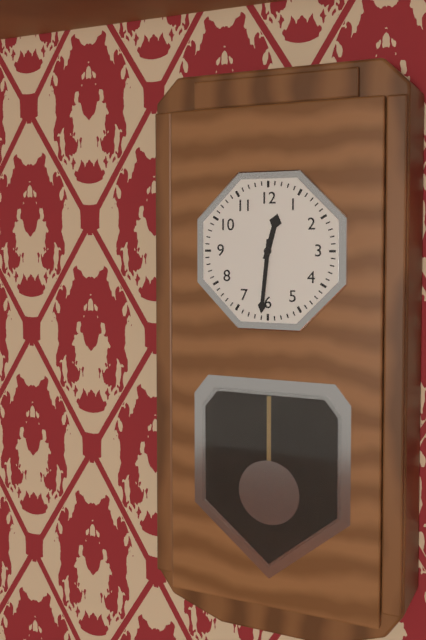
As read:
12:31
